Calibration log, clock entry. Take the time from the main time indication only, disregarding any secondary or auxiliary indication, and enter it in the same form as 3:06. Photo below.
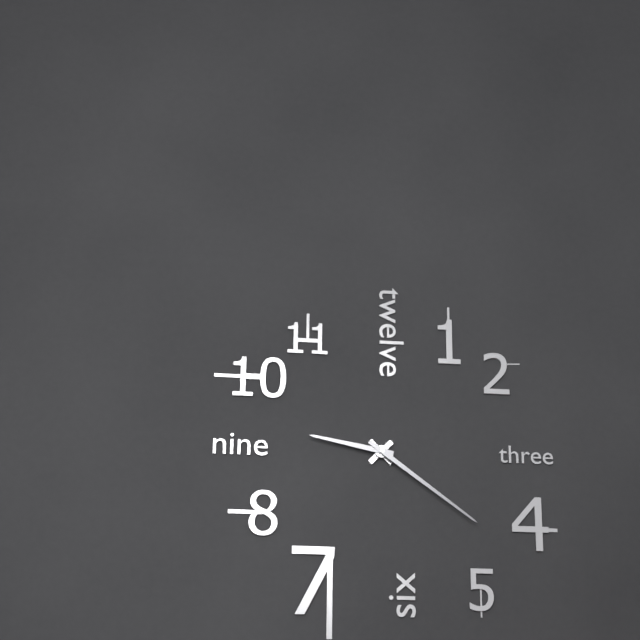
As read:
9:21
